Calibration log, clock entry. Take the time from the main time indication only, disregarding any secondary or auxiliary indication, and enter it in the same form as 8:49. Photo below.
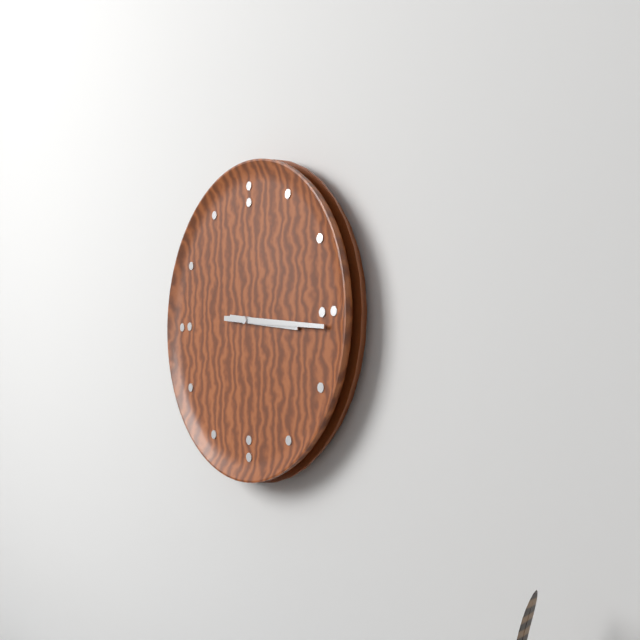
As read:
3:16
